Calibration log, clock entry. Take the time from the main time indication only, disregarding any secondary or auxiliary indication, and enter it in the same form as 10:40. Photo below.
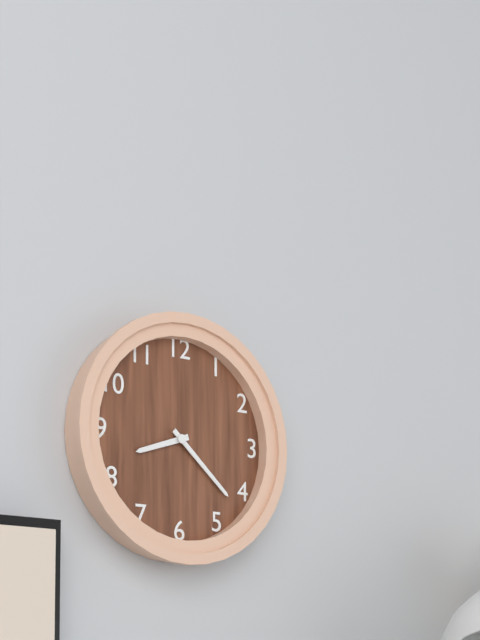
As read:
8:22
